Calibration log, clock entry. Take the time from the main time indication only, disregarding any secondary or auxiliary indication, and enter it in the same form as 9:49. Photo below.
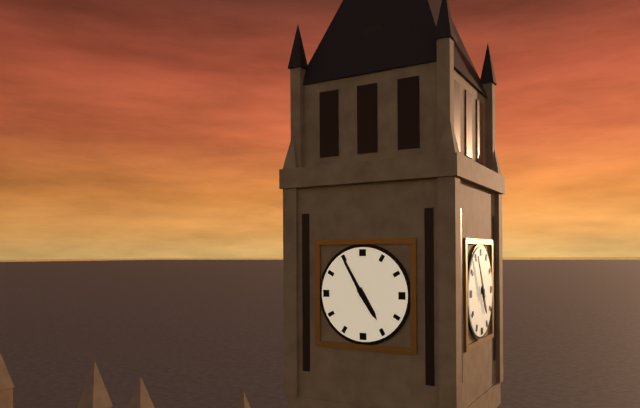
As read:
4:55
